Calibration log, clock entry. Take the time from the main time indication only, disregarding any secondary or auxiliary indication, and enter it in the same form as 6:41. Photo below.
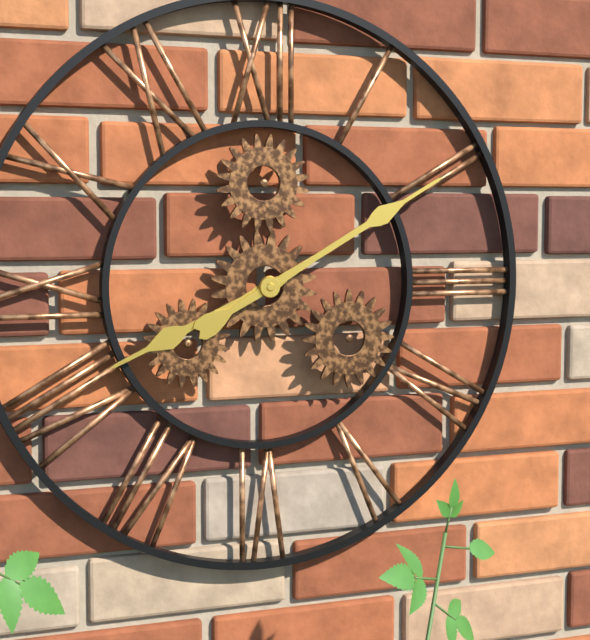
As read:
8:10
